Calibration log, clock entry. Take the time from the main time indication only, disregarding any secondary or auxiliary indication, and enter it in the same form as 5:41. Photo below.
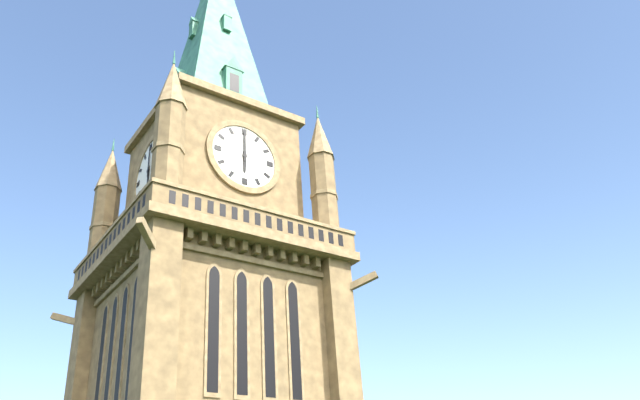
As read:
6:00
